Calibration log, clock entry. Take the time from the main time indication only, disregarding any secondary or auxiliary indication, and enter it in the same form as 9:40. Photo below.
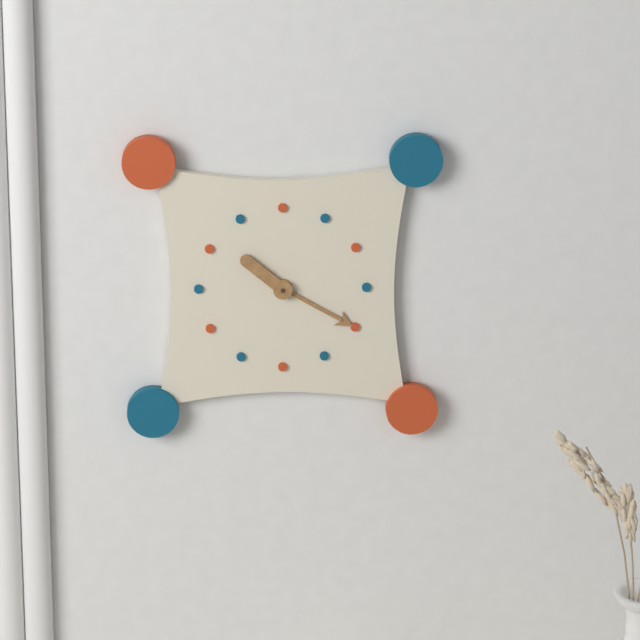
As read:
10:20
